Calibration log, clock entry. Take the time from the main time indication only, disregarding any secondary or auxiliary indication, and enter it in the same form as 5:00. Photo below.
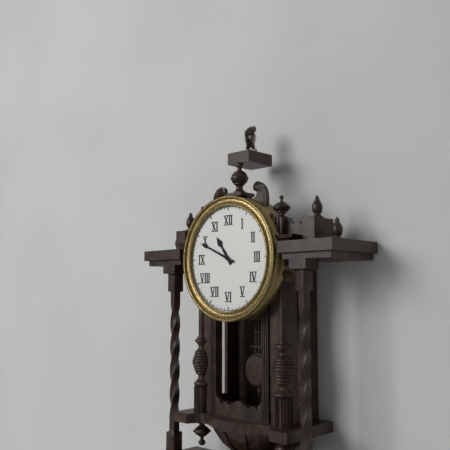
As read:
10:49
